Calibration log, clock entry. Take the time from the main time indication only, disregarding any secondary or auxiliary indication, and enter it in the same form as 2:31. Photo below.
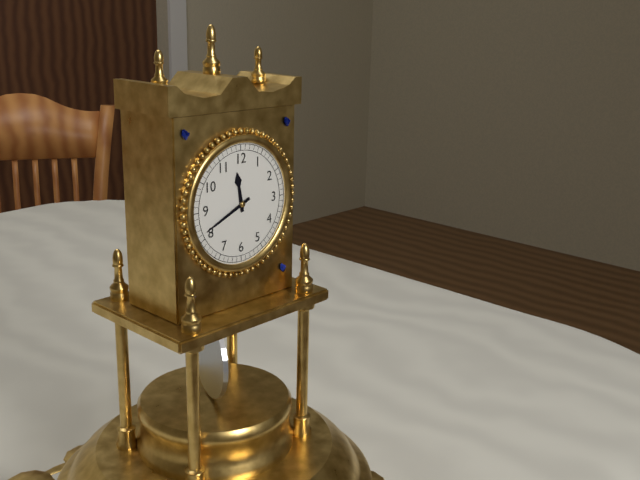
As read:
11:41
